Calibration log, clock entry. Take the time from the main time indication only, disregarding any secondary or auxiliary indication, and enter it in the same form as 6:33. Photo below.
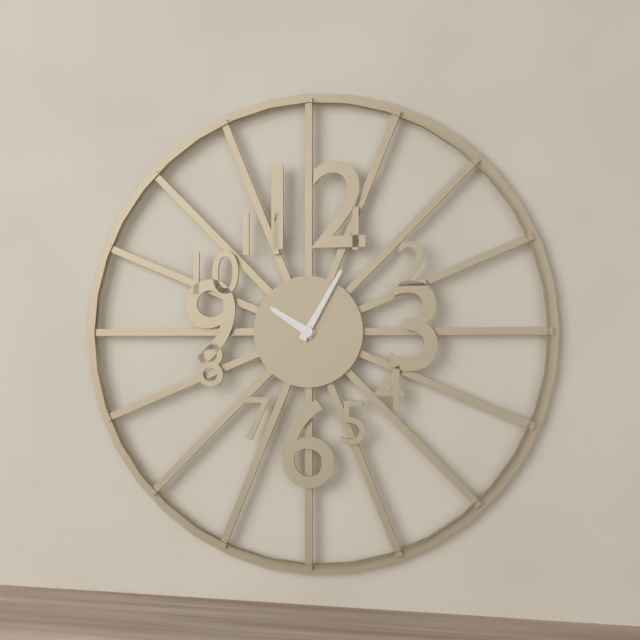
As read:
10:05
